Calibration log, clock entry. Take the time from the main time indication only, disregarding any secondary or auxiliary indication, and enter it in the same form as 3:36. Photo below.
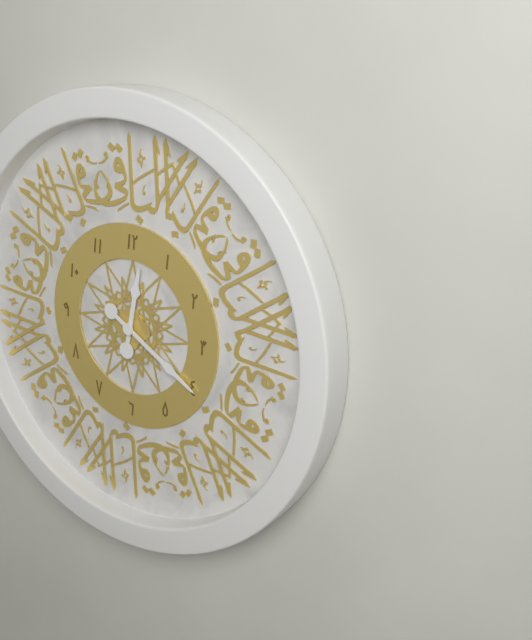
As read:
12:20
